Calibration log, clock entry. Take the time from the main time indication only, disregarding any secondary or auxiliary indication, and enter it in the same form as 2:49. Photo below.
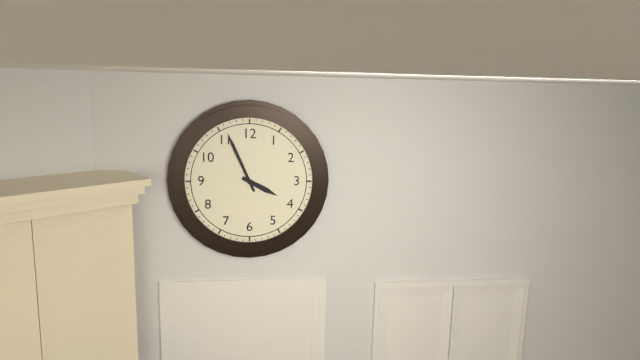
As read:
3:56
